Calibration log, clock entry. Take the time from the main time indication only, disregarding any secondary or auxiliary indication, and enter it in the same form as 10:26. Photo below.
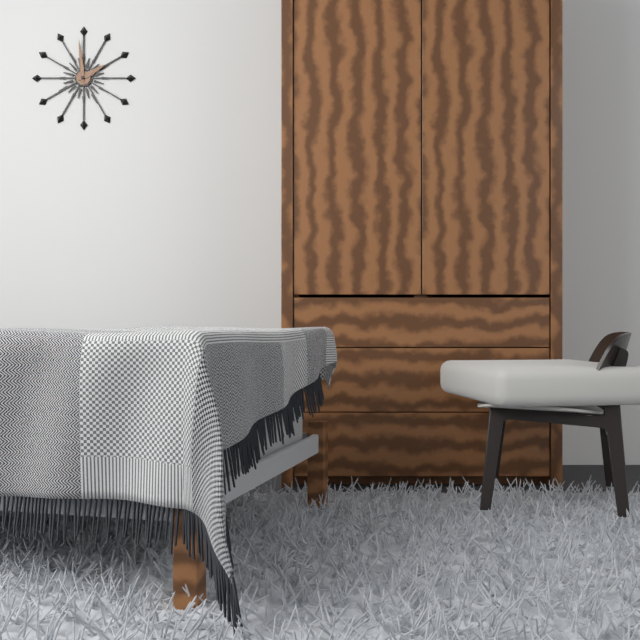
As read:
1:59
